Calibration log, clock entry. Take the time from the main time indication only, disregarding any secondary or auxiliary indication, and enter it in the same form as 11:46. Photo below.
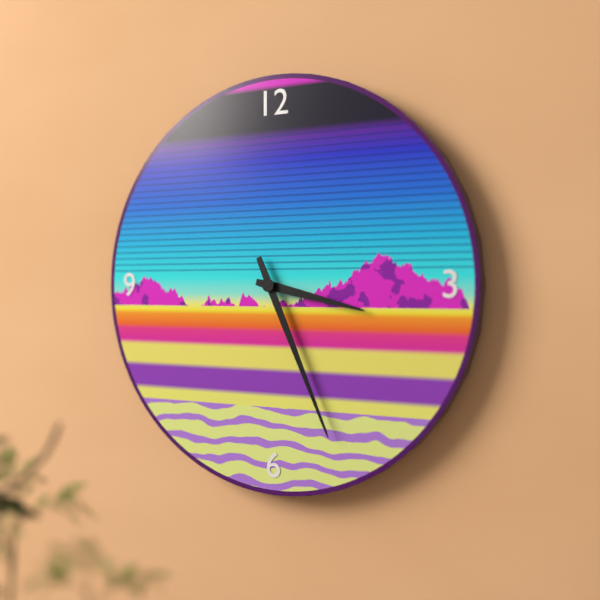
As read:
3:26
